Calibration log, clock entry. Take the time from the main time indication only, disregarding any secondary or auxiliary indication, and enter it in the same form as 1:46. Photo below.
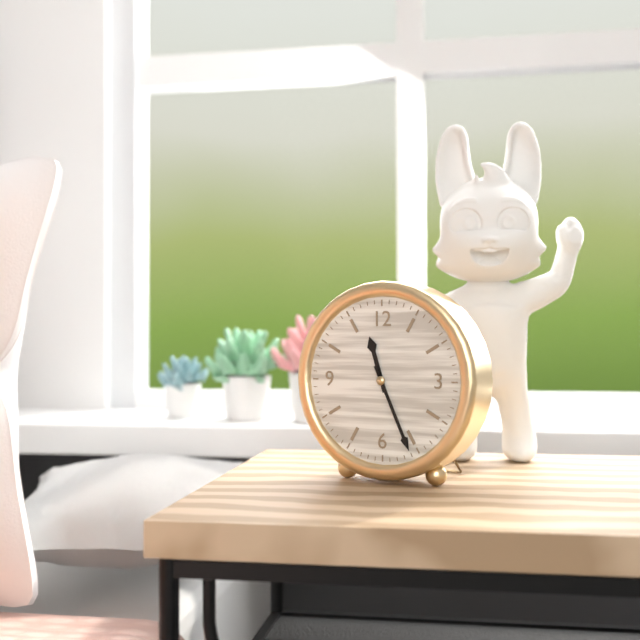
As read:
11:26
